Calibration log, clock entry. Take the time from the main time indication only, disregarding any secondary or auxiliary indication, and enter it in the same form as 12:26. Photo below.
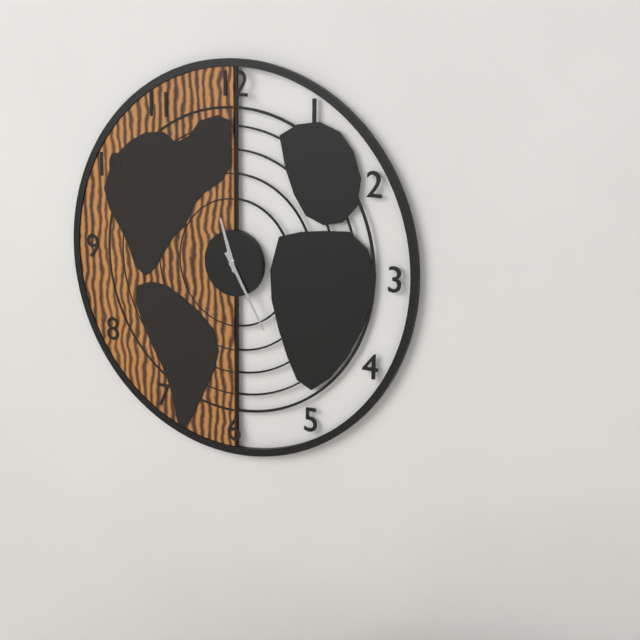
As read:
11:25
